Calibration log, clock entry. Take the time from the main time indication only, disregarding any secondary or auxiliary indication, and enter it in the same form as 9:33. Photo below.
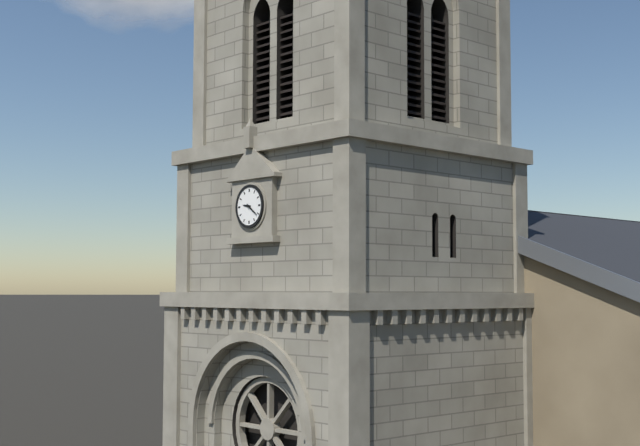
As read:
9:21
